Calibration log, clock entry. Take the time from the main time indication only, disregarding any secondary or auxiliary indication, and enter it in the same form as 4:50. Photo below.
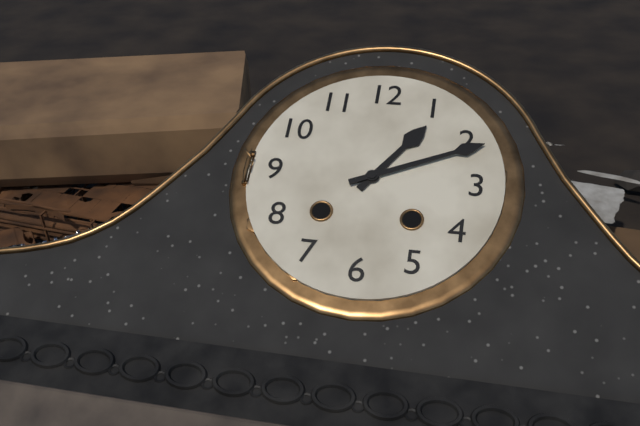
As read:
1:11
